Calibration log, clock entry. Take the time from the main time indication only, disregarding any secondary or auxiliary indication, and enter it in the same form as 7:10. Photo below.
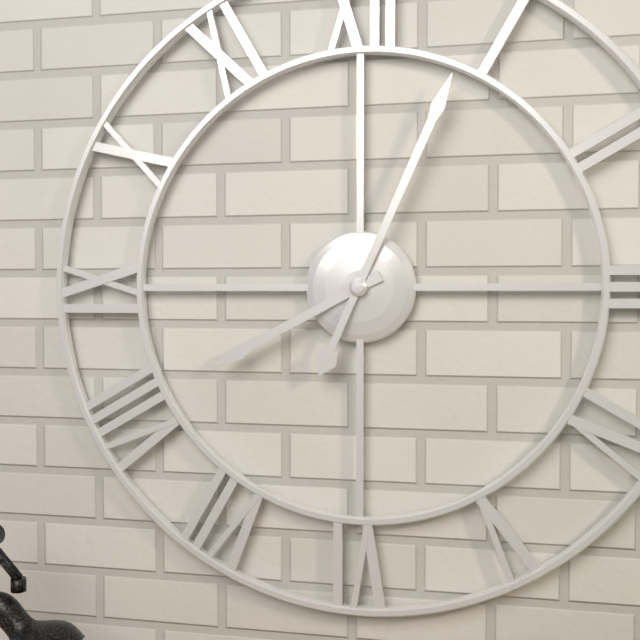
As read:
8:04
